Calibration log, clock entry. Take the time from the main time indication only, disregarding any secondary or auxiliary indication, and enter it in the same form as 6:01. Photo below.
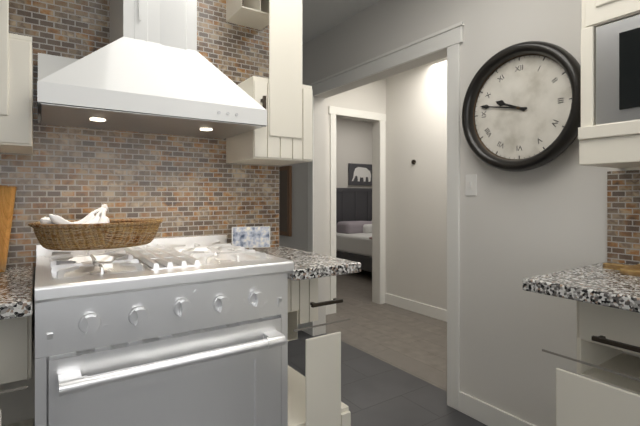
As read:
9:47
